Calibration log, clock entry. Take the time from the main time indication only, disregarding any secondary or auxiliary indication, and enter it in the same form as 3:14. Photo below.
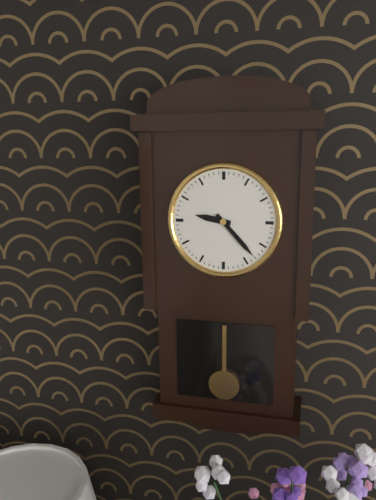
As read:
9:23
